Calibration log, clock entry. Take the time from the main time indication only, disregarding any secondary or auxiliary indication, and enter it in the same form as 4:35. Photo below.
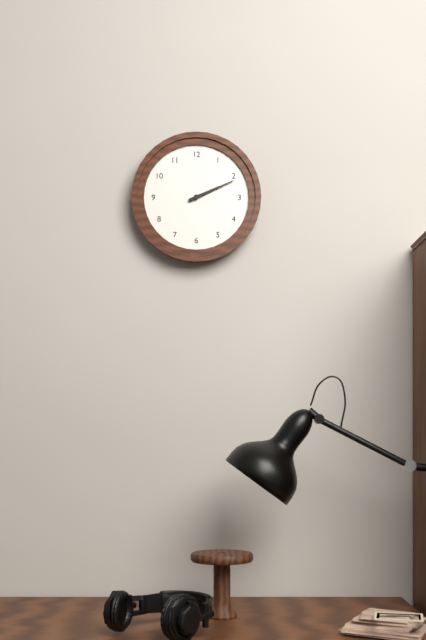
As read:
2:11
